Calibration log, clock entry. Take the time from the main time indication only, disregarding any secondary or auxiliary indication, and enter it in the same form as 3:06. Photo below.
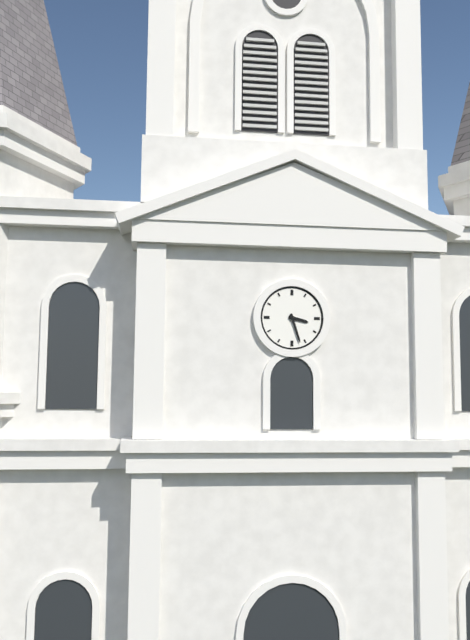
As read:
3:27
